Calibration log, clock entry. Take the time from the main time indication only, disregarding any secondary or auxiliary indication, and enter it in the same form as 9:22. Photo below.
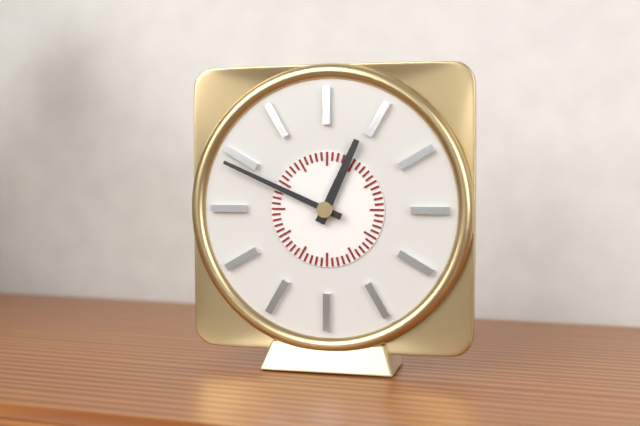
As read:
12:49
